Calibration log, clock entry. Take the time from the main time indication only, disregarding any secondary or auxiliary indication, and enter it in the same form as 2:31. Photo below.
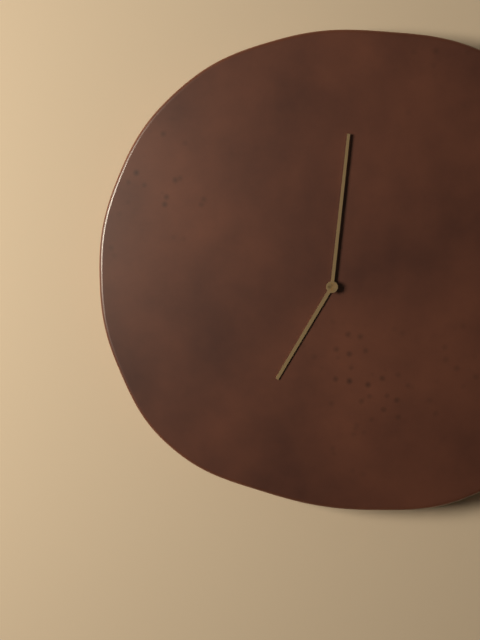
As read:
7:01
